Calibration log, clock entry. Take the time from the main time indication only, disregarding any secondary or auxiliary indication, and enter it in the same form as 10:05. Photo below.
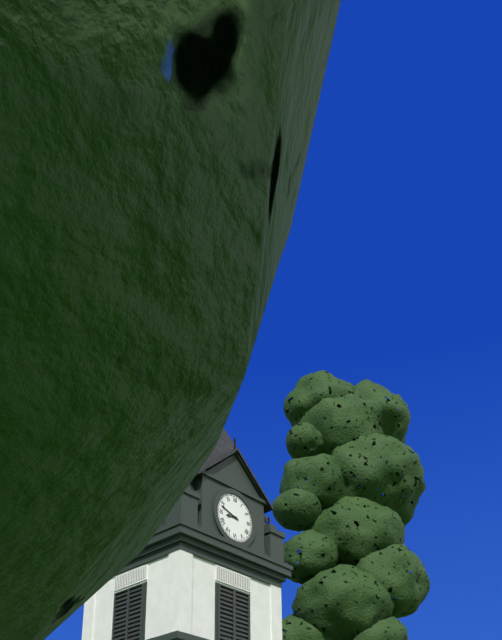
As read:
8:48
